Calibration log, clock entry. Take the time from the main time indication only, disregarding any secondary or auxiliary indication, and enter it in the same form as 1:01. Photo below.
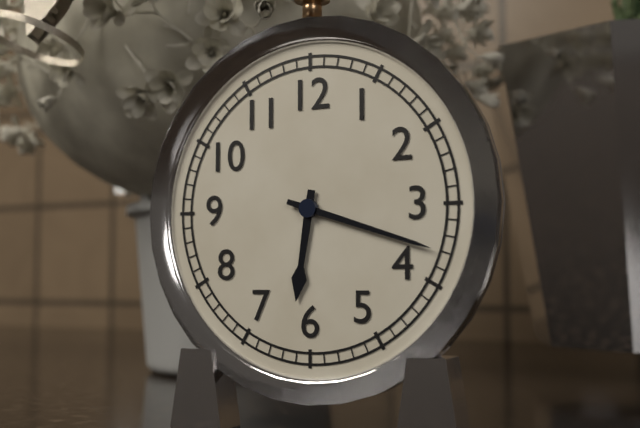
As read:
6:18
